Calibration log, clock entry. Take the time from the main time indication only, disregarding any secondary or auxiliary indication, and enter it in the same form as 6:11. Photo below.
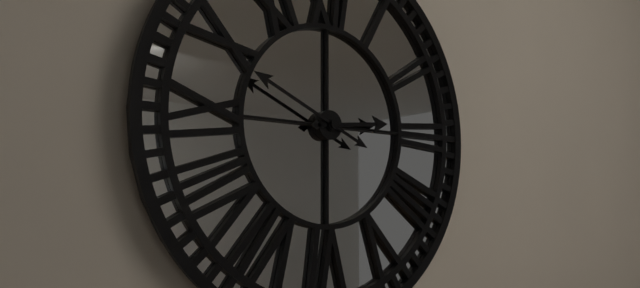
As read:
2:49
